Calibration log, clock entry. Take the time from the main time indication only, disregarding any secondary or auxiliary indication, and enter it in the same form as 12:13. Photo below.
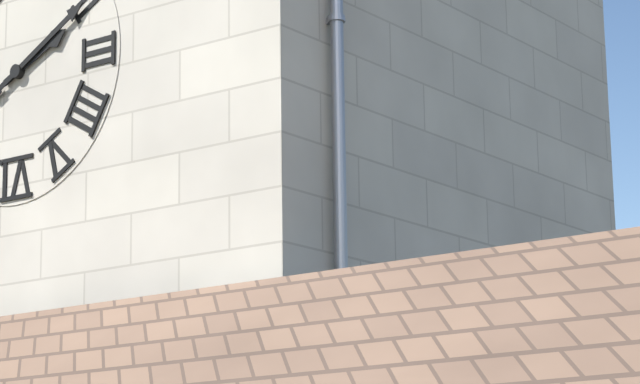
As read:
2:10
